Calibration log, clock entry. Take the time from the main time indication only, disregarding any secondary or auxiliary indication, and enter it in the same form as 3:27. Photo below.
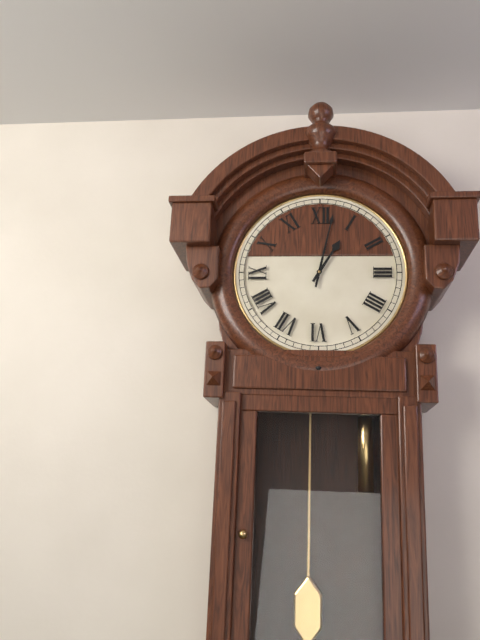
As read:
1:02
